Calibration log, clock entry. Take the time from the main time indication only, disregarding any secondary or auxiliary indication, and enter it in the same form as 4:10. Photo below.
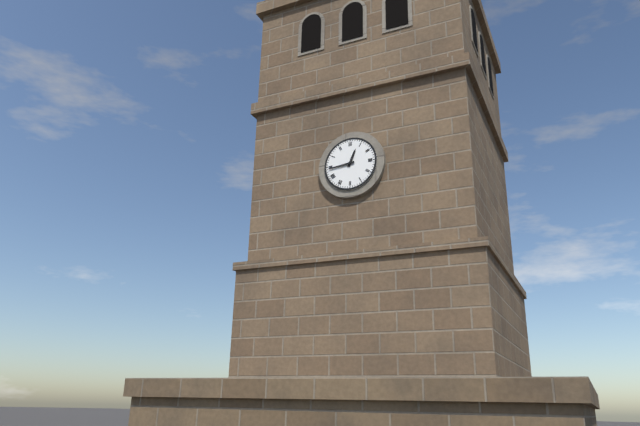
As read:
12:44
